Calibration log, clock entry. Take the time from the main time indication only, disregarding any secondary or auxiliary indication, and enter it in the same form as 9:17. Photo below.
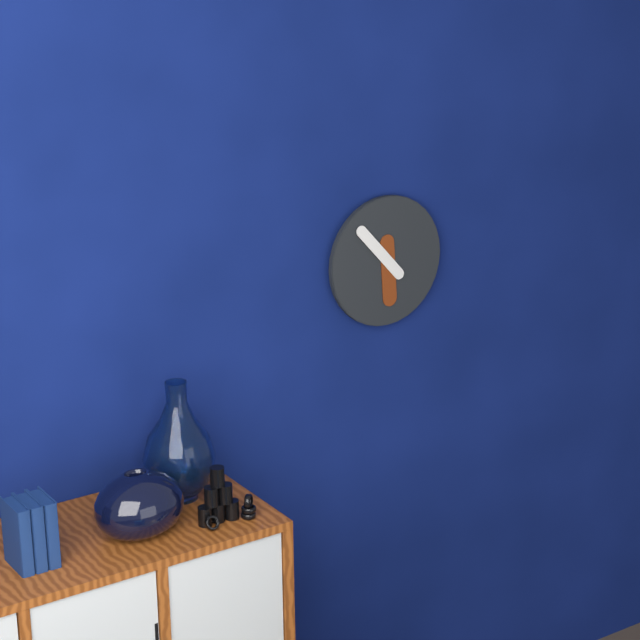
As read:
5:53
